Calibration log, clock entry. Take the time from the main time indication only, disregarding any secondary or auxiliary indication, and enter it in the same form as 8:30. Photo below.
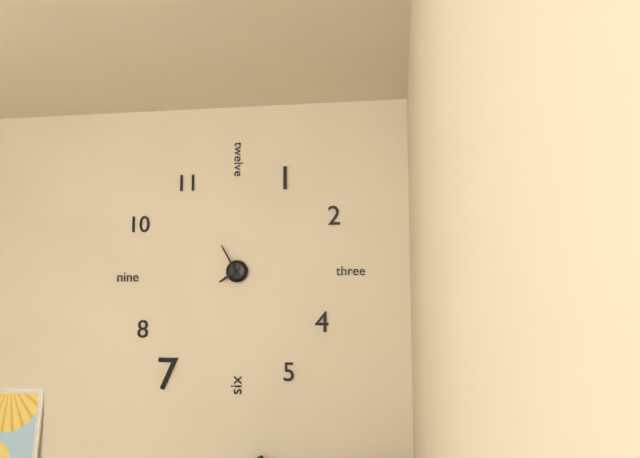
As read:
7:55
